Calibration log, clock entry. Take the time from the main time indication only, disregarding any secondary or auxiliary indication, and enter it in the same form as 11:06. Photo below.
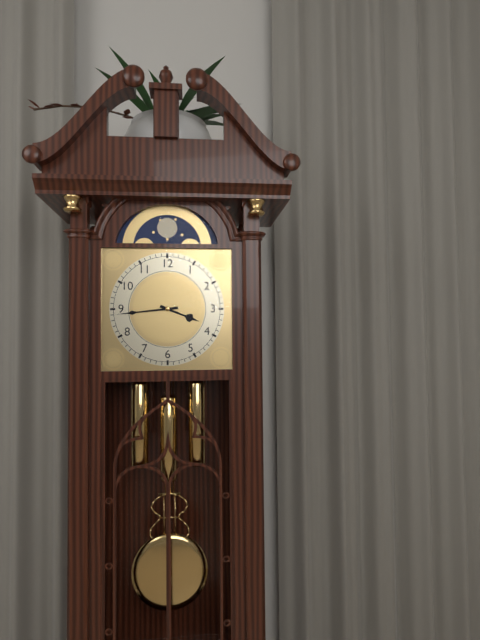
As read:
3:44
